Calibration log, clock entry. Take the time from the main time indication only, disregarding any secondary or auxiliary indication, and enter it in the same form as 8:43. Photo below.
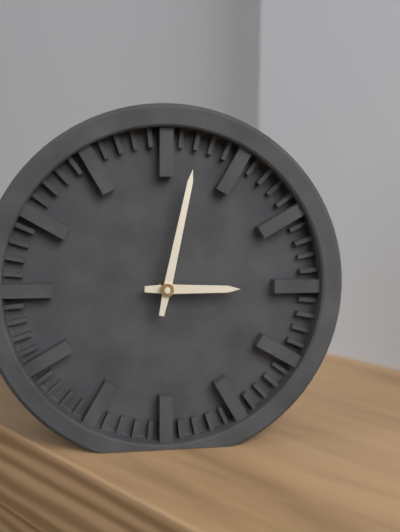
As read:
3:02
